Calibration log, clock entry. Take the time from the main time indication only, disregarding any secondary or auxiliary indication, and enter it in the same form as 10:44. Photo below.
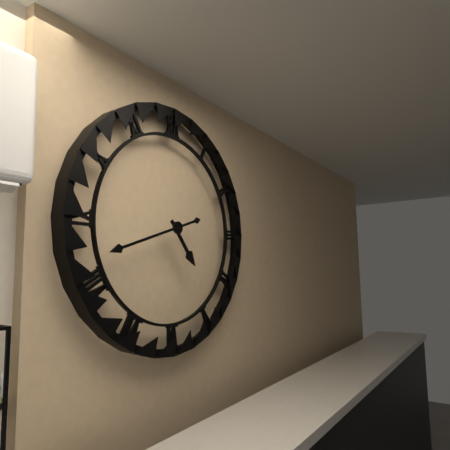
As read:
4:42
